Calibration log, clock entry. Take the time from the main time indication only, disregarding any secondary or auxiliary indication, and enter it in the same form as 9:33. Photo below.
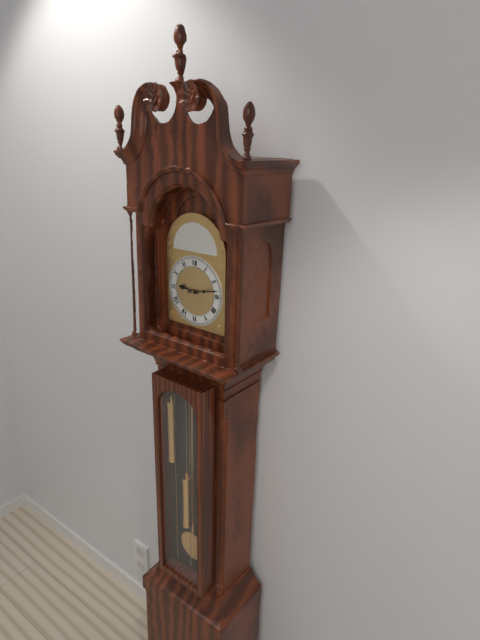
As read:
9:13
